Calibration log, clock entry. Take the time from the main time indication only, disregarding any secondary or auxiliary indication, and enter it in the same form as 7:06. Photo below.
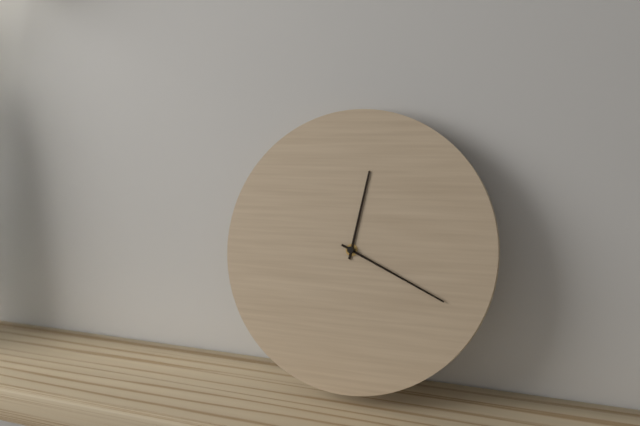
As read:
12:19
